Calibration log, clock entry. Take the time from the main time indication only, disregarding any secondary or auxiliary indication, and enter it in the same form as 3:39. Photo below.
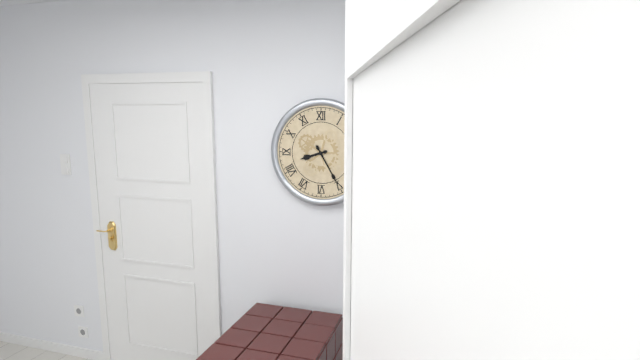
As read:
8:25
